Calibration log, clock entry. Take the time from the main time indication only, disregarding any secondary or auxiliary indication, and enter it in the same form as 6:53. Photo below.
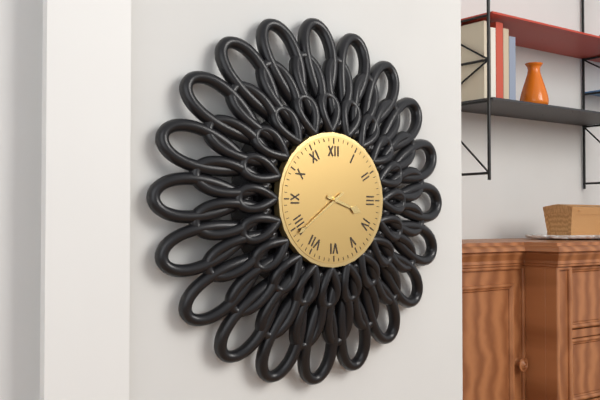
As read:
3:39
